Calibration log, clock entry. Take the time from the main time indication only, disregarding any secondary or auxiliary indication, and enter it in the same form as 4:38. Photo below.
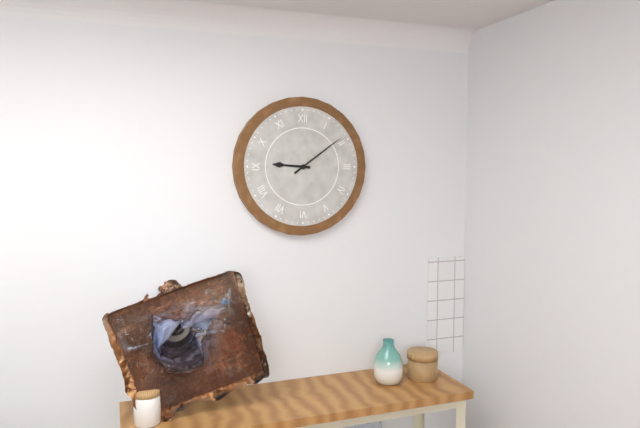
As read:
9:09
